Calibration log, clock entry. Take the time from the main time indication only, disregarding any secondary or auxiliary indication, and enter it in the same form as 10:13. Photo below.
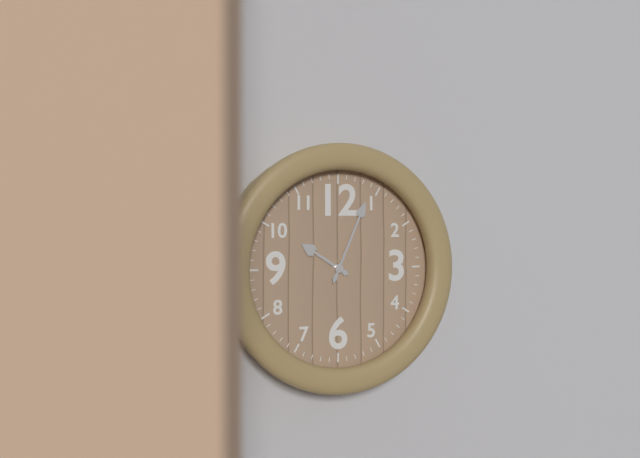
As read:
10:04
